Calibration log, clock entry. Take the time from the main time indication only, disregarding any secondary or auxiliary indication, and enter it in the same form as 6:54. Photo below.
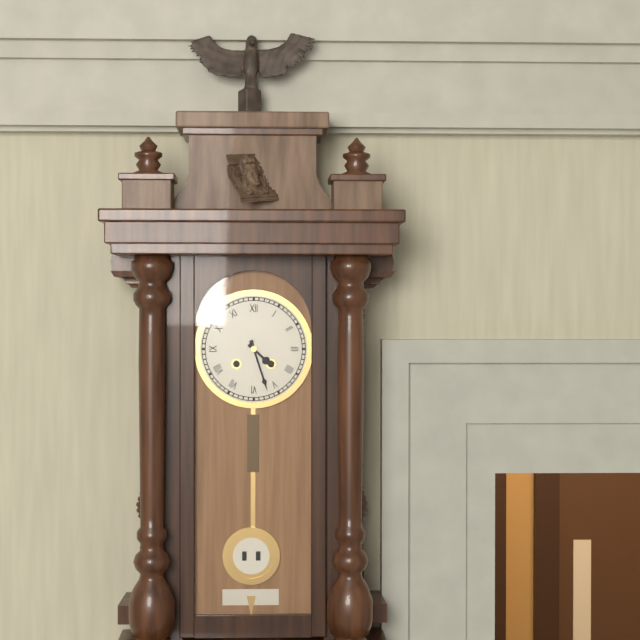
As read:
4:27
